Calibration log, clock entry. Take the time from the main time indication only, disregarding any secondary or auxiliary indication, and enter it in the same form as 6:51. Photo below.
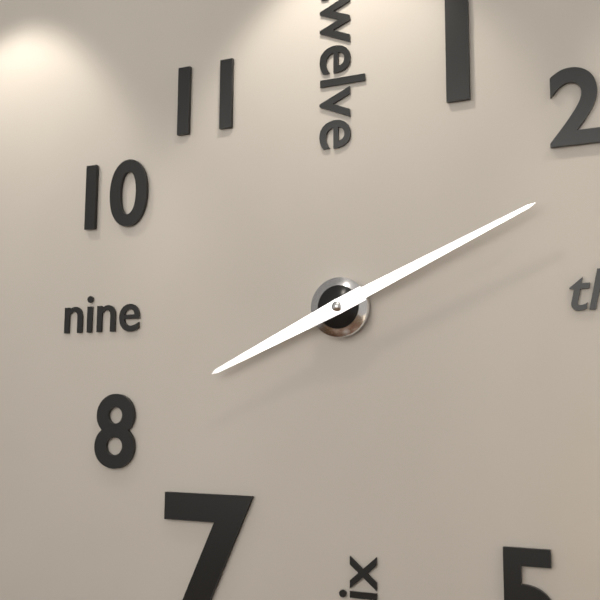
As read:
8:11
